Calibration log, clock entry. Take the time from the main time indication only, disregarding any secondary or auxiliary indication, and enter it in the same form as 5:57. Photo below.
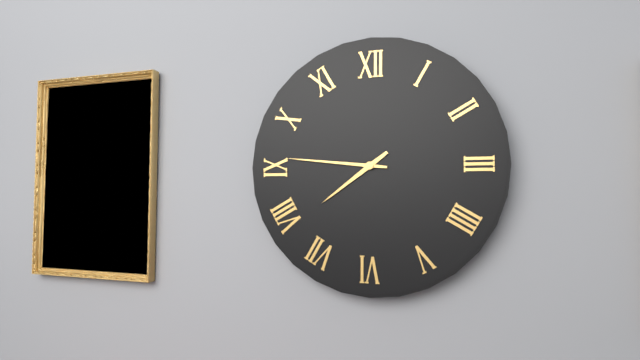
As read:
7:46
